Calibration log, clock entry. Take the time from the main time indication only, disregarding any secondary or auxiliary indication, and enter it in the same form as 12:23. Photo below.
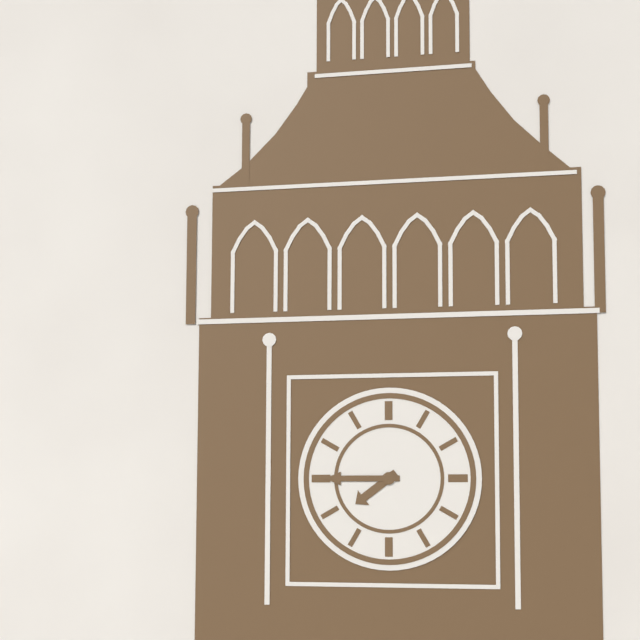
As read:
7:45
